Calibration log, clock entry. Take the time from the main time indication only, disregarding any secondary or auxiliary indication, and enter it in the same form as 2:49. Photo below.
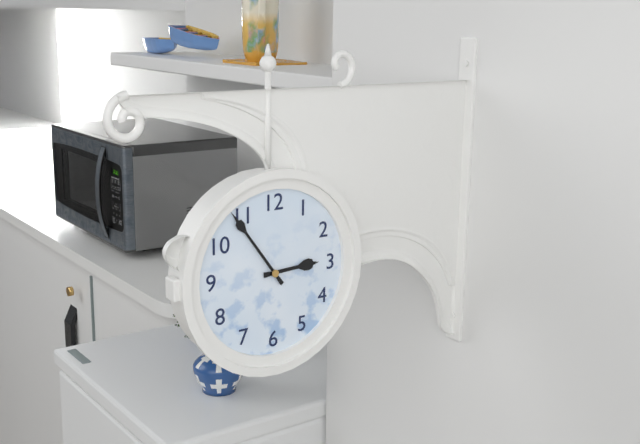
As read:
2:54
